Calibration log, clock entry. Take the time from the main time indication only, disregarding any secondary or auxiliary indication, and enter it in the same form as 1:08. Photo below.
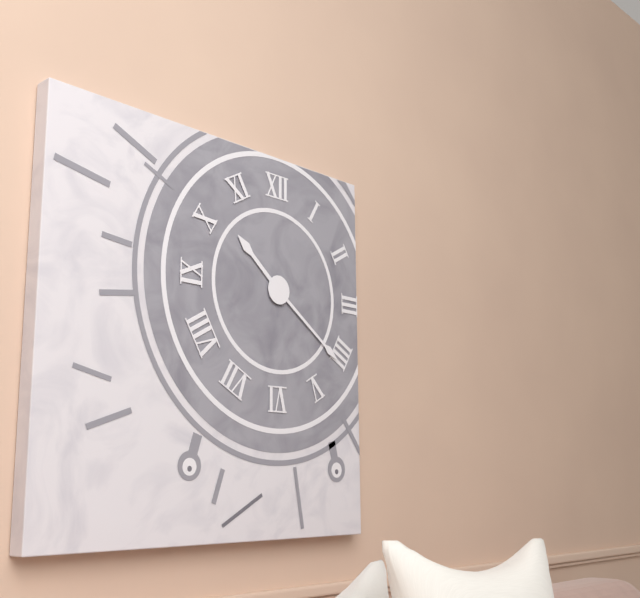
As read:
10:21
